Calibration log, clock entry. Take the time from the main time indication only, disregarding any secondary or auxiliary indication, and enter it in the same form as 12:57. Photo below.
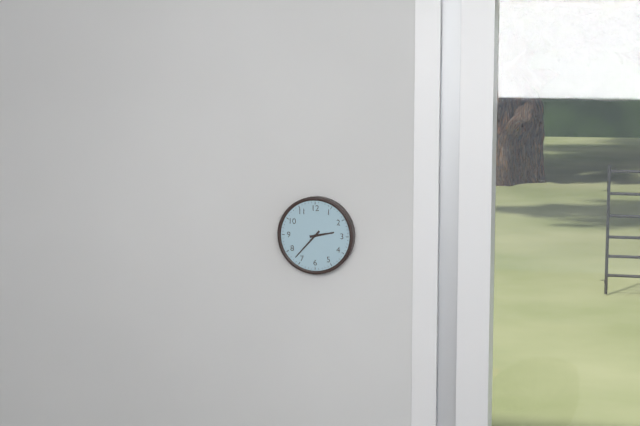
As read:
2:37
